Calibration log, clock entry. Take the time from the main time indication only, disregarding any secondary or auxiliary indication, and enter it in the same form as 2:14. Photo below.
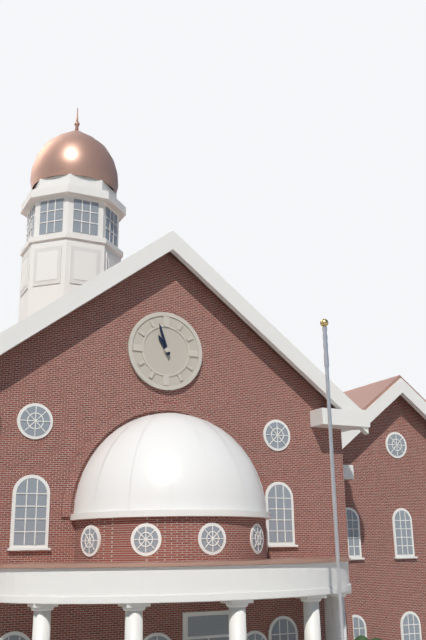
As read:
10:57
